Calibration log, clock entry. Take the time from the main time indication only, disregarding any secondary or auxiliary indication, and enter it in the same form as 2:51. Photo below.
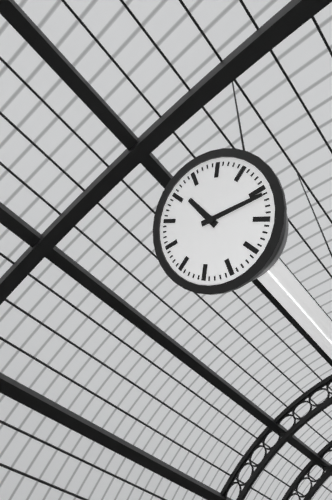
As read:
11:16
